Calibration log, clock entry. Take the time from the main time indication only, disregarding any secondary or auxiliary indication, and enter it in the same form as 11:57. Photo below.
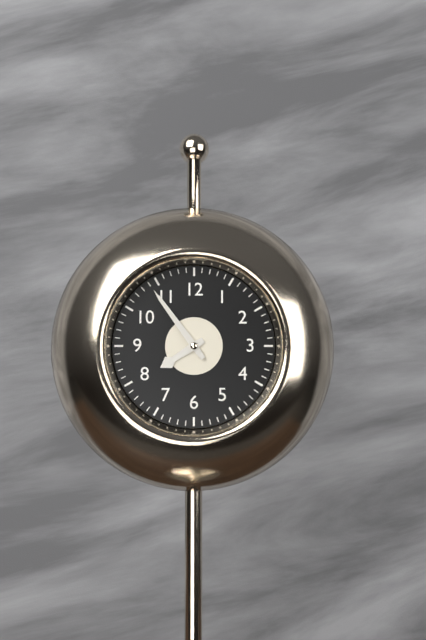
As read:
7:54
